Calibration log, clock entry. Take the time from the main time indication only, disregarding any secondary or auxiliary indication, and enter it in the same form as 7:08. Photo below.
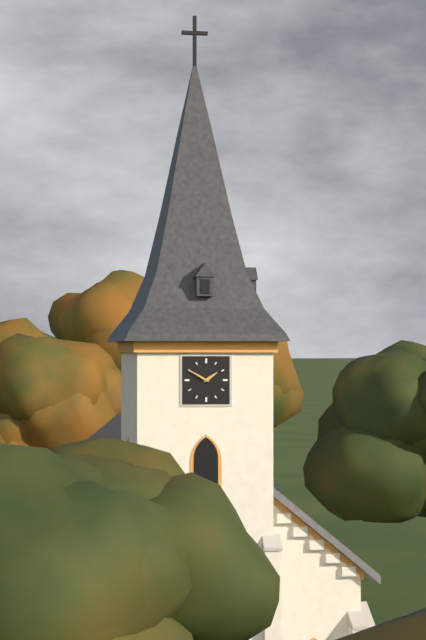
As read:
1:50
